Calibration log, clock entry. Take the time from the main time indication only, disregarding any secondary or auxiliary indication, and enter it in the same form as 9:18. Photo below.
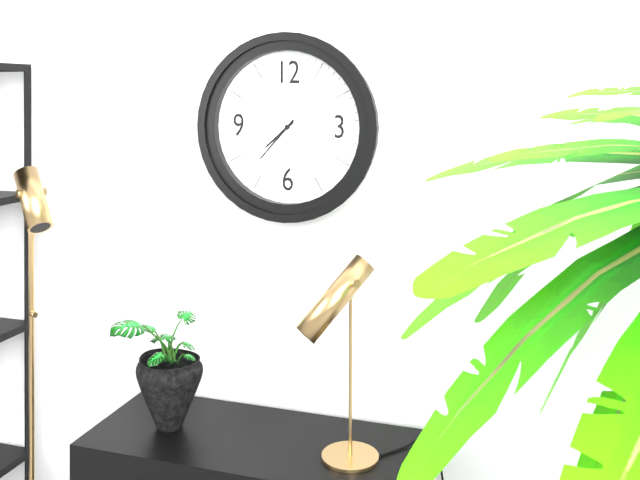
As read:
7:37
